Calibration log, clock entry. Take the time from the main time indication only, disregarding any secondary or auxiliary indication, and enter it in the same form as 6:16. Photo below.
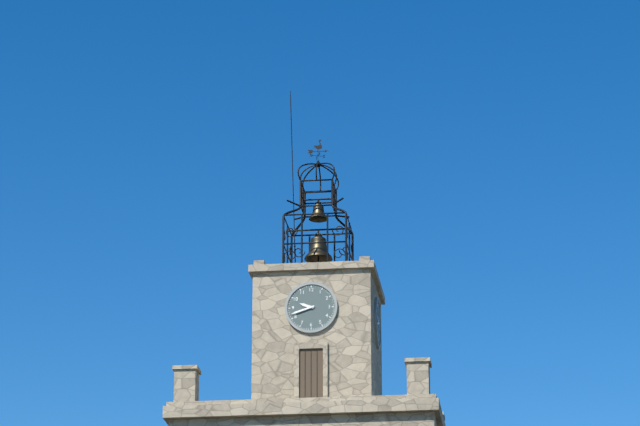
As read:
9:42
